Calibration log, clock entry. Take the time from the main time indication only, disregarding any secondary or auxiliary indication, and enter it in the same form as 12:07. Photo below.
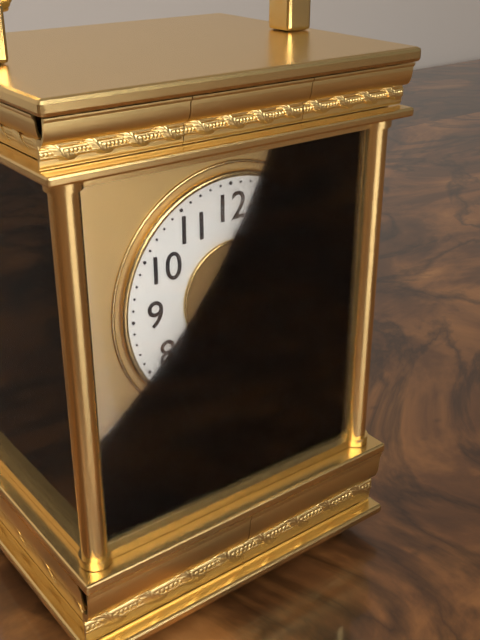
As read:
12:13
